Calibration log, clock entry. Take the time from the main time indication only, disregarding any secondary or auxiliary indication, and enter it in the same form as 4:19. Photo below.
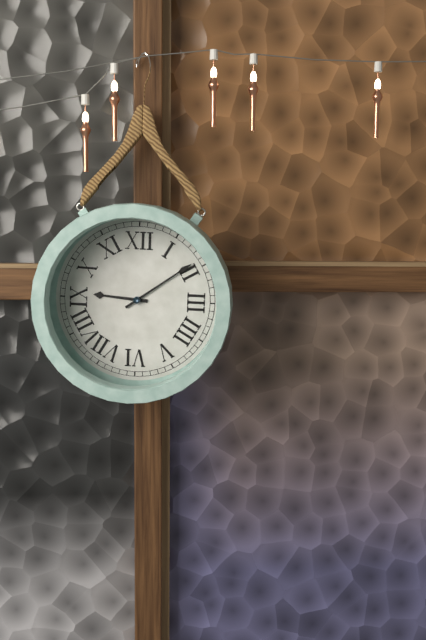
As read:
9:09
